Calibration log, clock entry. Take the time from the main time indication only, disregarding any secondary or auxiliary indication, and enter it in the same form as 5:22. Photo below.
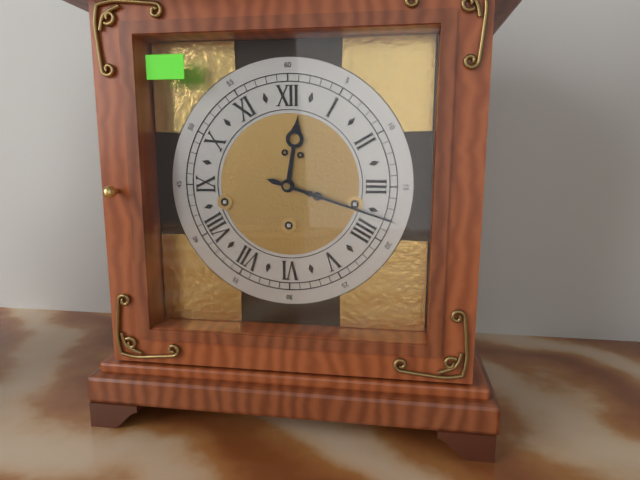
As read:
12:18
